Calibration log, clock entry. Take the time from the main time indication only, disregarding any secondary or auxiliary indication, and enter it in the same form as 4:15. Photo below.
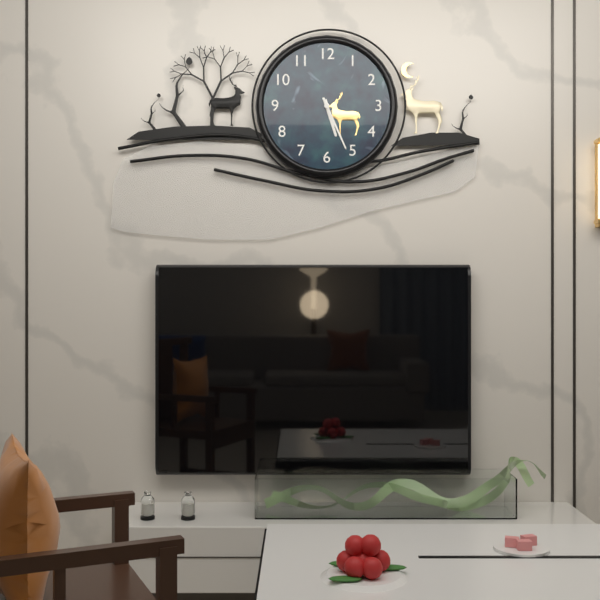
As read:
5:26
